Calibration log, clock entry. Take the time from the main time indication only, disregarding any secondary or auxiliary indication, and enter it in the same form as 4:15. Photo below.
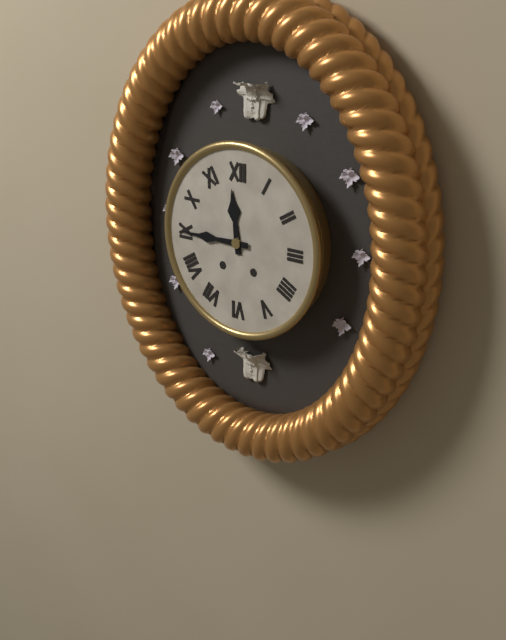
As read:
11:45
